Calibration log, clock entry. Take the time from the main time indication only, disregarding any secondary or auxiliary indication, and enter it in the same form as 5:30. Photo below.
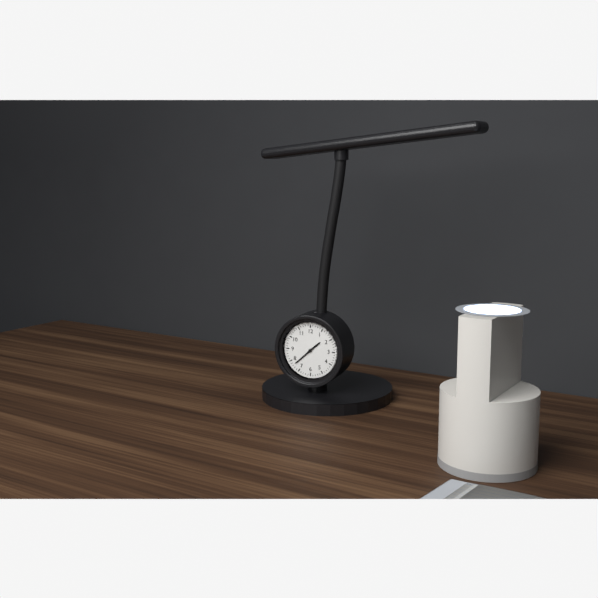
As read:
1:38
